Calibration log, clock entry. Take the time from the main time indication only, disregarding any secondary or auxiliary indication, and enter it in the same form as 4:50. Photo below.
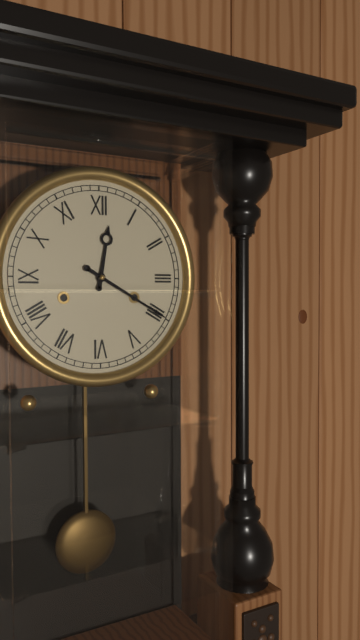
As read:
12:20
